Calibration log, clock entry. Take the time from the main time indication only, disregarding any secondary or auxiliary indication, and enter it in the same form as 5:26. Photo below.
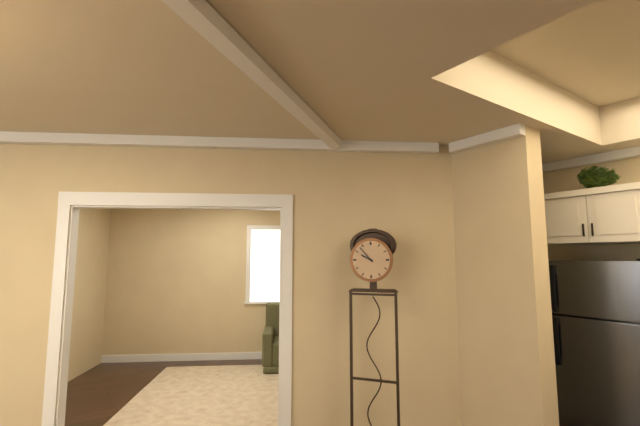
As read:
9:53
